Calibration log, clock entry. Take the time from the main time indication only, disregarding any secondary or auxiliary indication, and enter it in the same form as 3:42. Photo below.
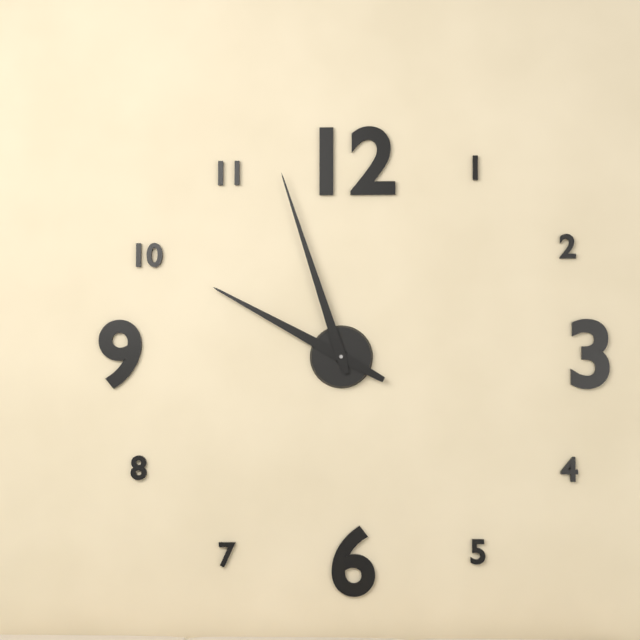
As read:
9:57
